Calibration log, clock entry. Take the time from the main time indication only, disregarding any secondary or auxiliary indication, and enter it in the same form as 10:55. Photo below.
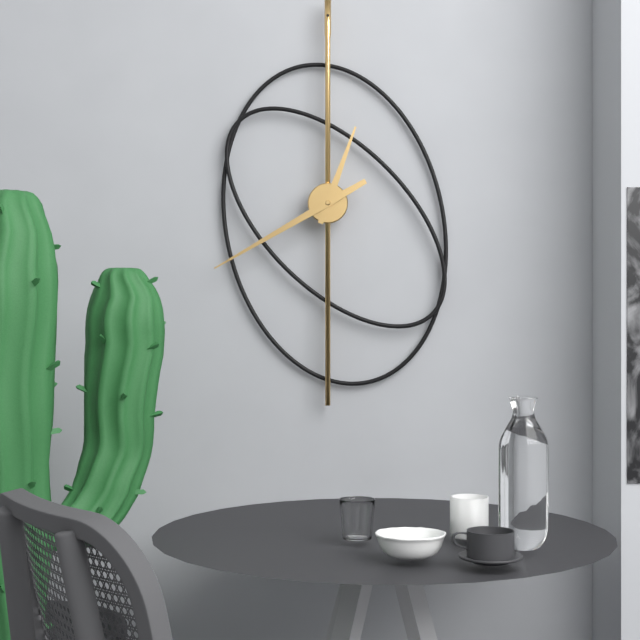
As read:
12:40
